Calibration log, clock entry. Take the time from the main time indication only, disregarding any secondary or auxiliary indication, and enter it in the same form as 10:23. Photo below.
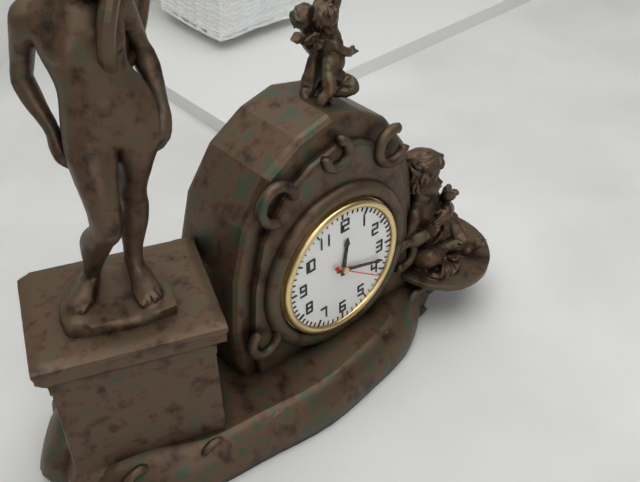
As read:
12:18
